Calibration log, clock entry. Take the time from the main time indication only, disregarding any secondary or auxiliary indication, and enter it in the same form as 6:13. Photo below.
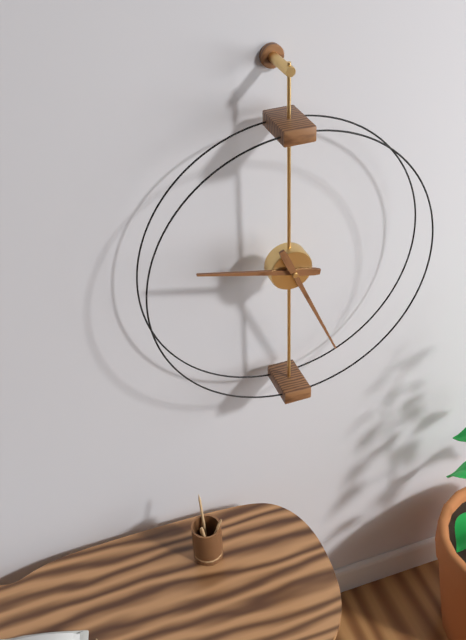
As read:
9:26
